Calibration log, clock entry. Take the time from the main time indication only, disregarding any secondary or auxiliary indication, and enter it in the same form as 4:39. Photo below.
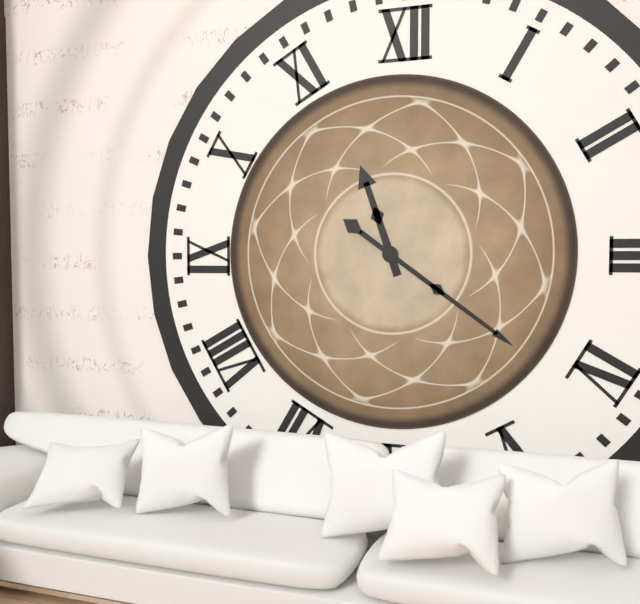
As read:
11:21
